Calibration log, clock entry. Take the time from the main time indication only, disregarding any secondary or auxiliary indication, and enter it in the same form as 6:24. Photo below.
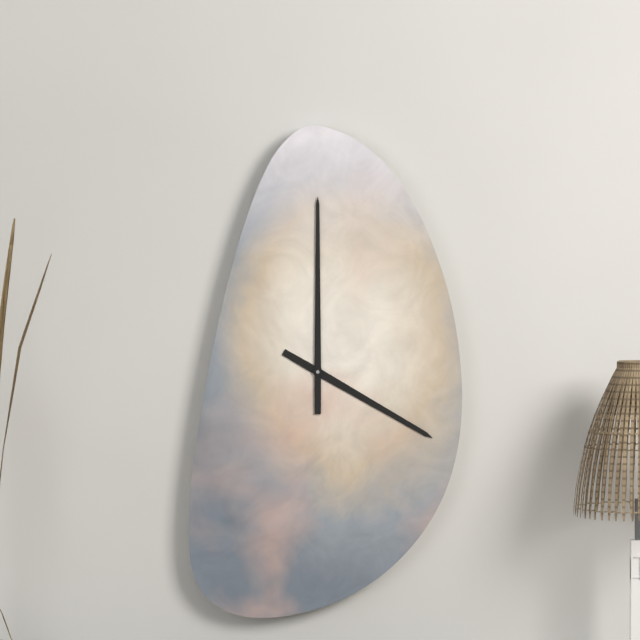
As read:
4:00
